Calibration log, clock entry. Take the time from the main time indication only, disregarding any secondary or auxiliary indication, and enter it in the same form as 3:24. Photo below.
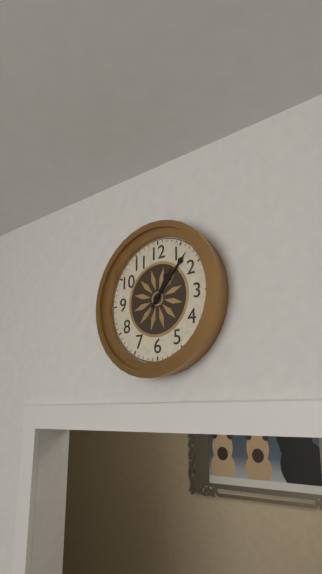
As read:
1:07
